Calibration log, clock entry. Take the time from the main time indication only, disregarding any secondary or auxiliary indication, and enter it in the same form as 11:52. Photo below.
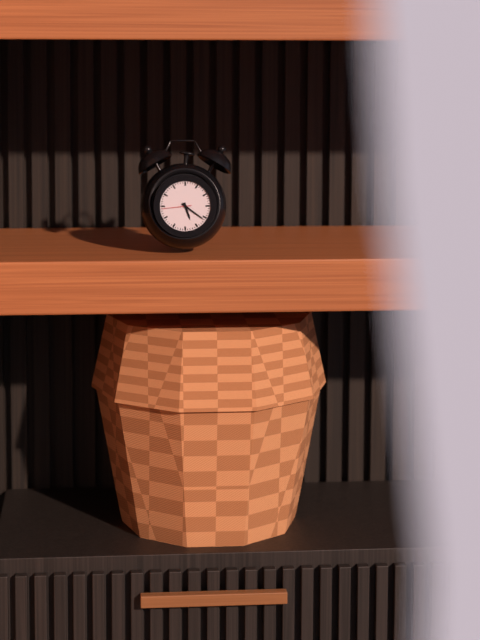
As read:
5:21
